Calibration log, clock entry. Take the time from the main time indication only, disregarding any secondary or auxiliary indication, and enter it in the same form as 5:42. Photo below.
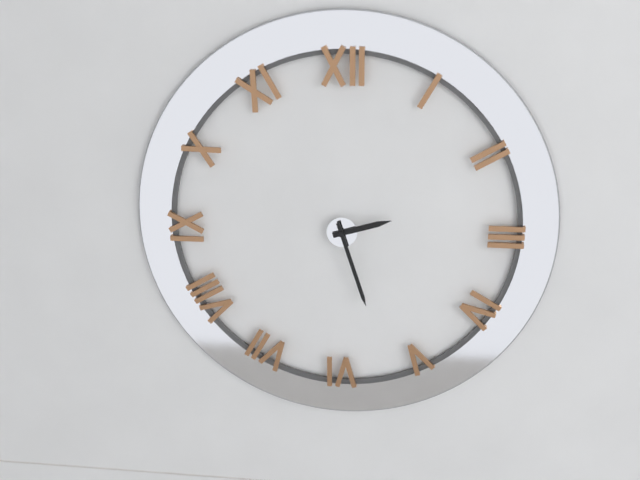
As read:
2:27
